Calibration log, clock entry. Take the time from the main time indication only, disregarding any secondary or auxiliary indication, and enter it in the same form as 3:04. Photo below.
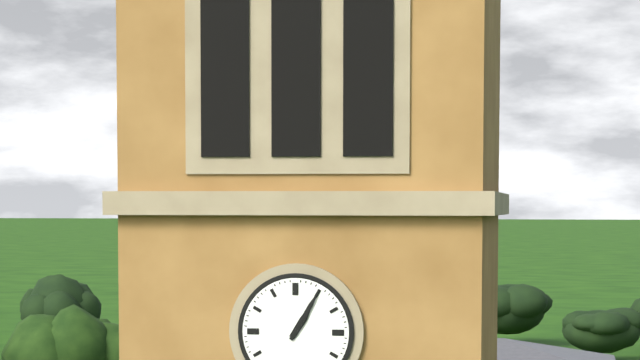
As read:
1:05
